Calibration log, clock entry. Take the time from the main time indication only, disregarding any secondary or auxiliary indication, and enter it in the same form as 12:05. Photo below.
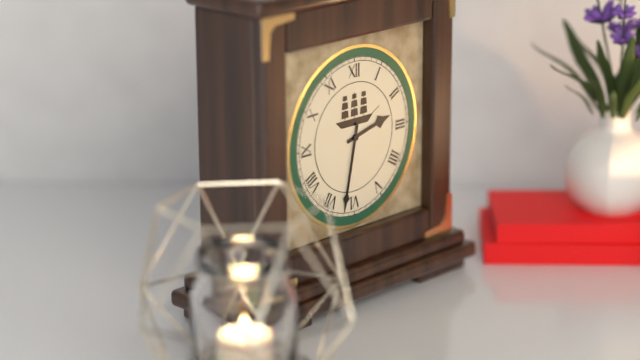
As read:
2:32
